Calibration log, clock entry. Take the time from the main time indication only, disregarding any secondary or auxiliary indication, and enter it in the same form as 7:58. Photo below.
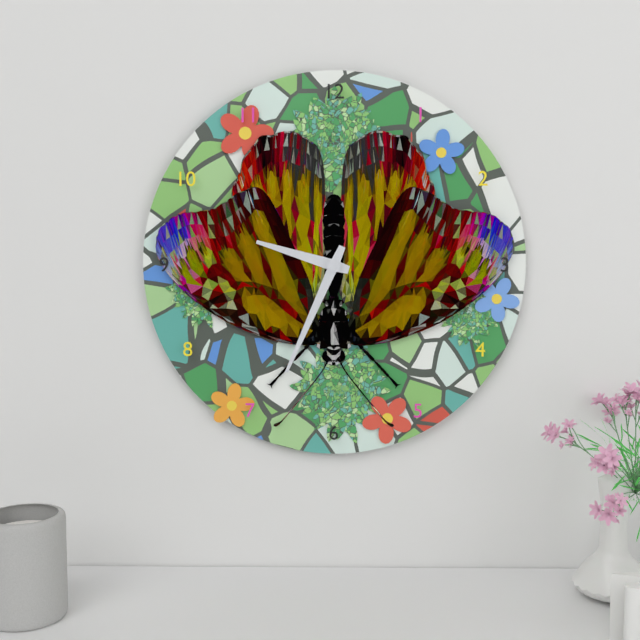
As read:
9:34
